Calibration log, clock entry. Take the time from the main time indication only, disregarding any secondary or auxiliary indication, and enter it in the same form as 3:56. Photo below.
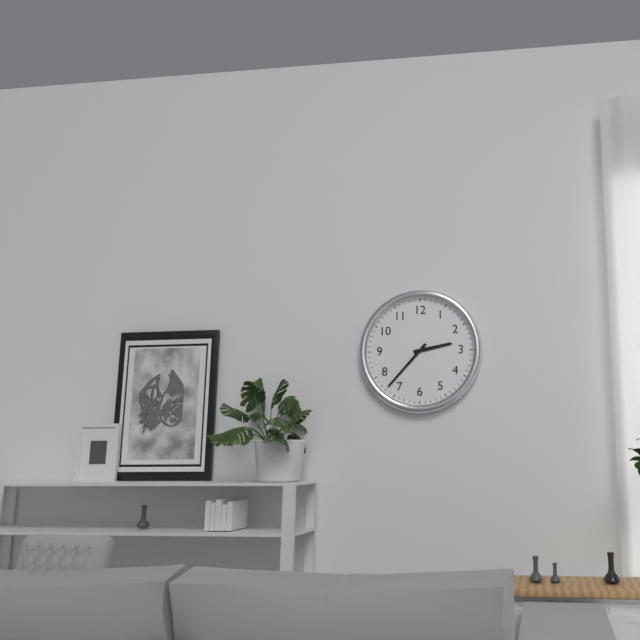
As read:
2:37
